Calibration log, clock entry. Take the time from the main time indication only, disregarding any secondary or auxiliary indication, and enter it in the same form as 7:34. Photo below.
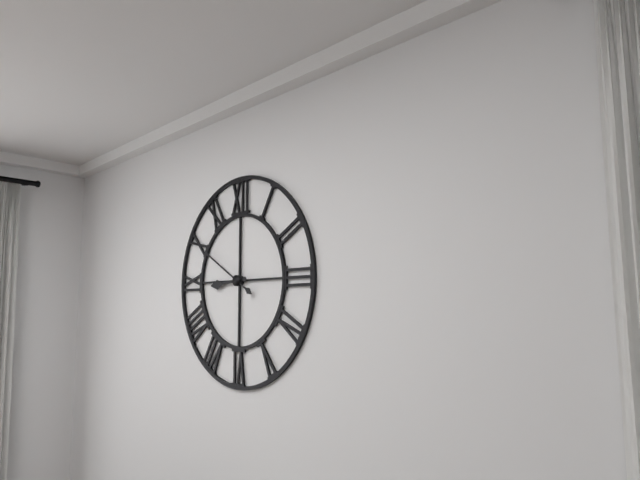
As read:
8:50
